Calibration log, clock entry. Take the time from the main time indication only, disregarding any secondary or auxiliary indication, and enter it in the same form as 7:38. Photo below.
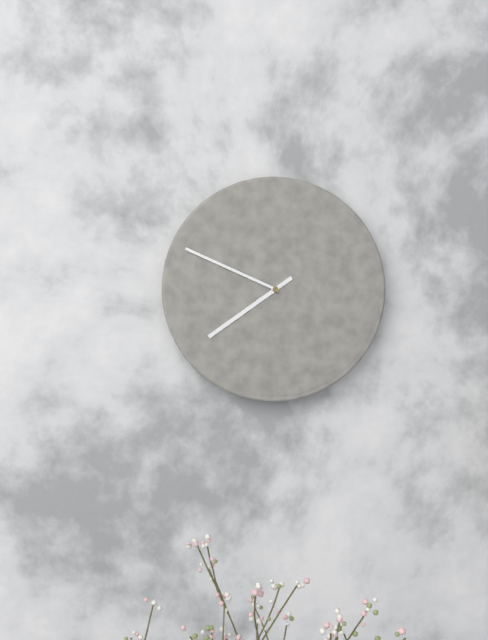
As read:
7:49
